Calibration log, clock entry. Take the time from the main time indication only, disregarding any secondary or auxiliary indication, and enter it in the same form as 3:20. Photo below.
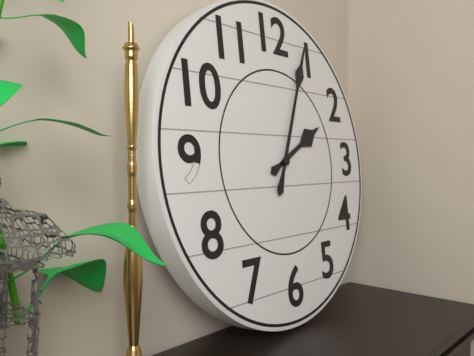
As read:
2:04
